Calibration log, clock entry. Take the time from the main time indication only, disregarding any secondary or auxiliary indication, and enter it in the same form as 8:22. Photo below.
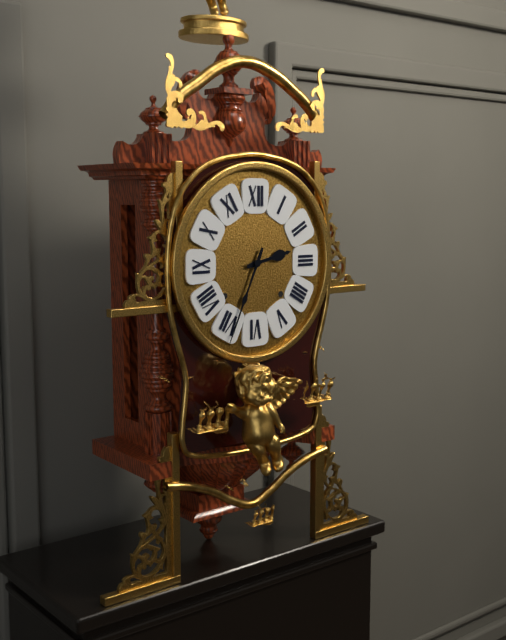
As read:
2:34
